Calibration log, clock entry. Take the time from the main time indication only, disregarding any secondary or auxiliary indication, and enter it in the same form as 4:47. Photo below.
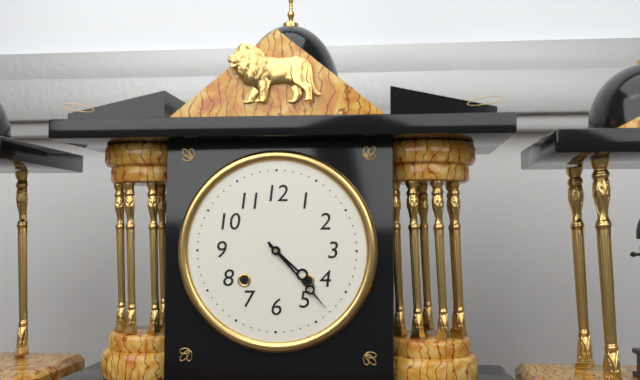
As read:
4:23
